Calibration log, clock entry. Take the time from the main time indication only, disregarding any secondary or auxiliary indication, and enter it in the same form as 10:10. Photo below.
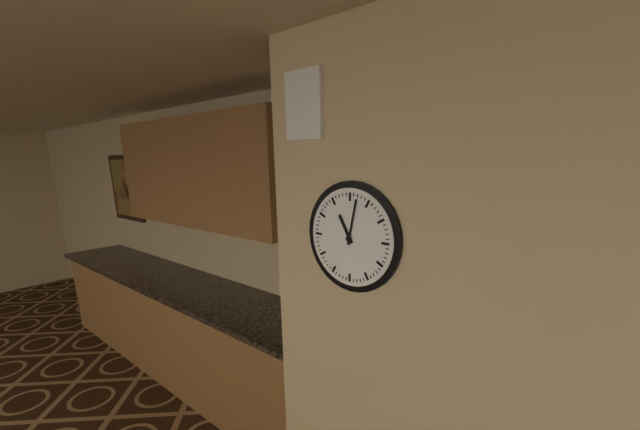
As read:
11:02
